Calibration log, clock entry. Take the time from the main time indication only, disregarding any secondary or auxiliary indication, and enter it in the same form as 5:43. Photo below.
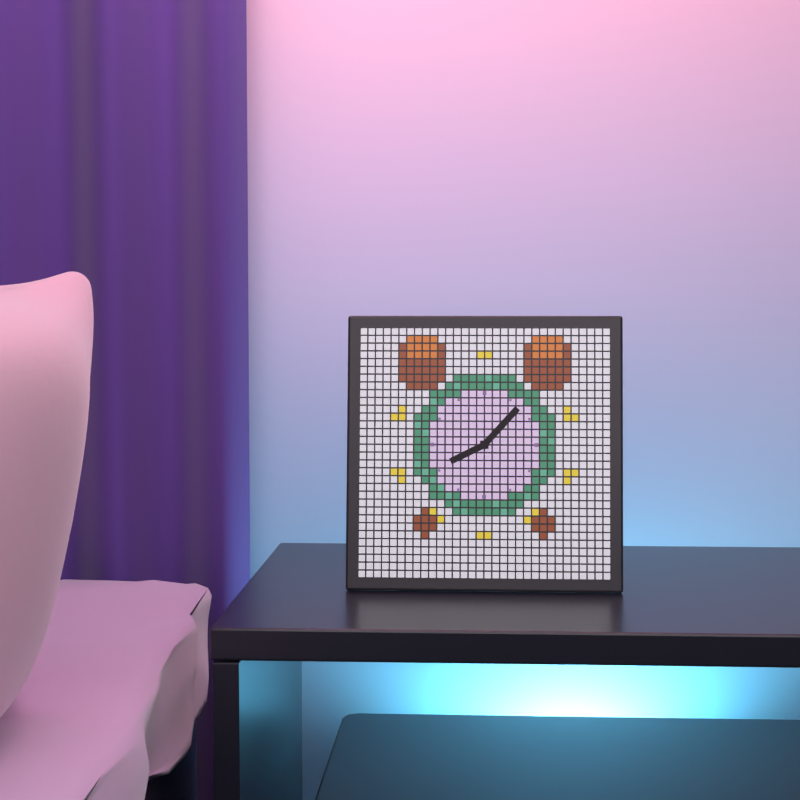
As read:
8:07
